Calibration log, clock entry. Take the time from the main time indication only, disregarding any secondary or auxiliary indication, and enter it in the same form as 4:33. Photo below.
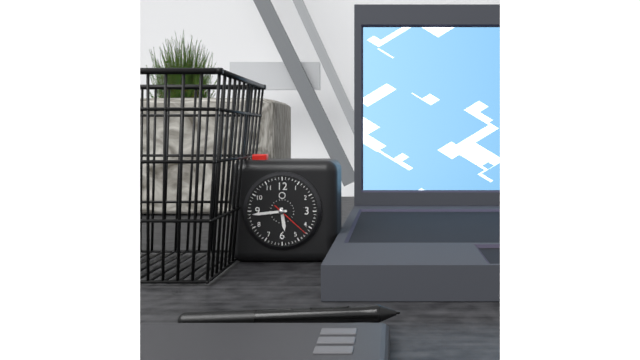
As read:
5:44
